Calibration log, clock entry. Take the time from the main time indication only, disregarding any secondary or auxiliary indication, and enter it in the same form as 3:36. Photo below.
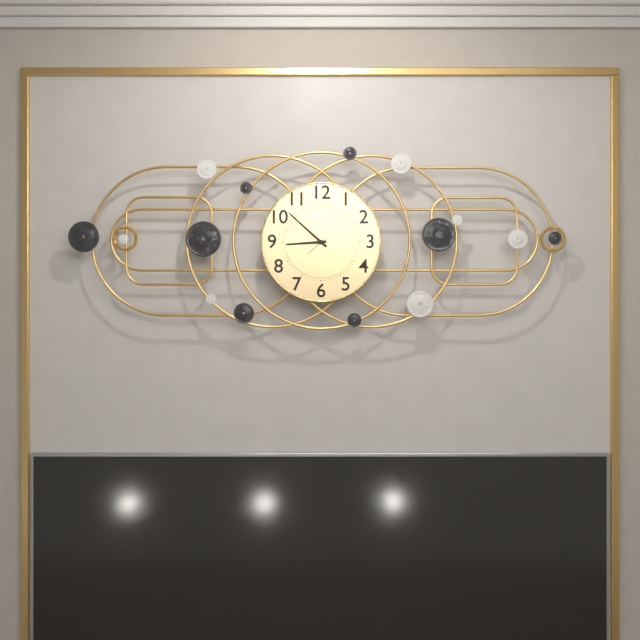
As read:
8:52
